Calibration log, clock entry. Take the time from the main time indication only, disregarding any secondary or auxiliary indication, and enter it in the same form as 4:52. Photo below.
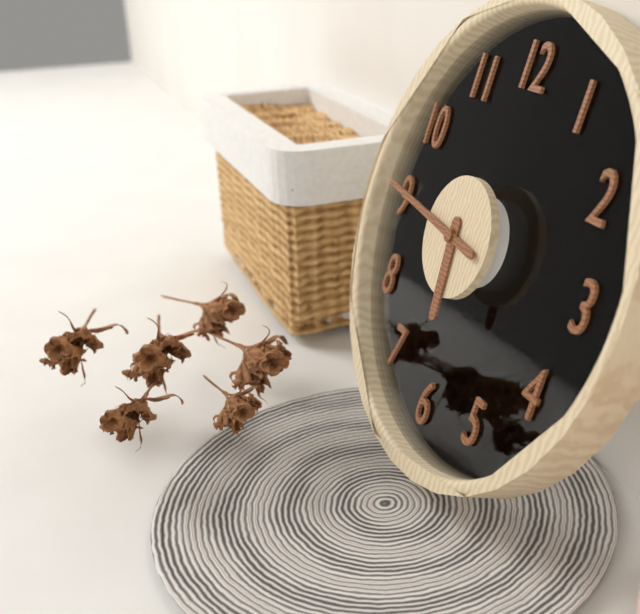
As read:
5:46
